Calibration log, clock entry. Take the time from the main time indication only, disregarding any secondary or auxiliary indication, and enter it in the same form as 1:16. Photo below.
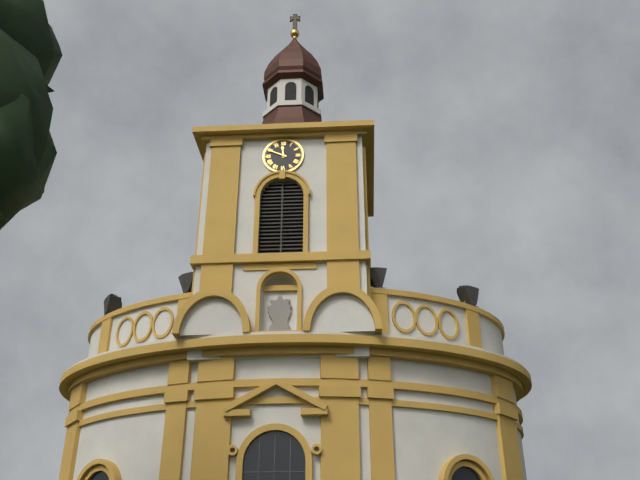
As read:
11:49
